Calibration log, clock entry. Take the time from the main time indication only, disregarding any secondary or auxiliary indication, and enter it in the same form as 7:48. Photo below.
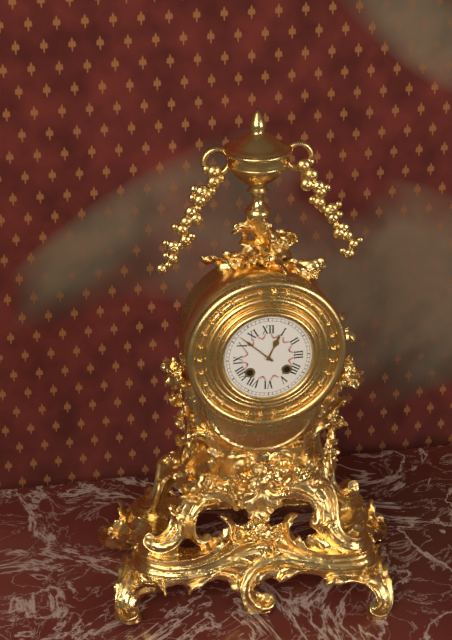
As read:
12:52
